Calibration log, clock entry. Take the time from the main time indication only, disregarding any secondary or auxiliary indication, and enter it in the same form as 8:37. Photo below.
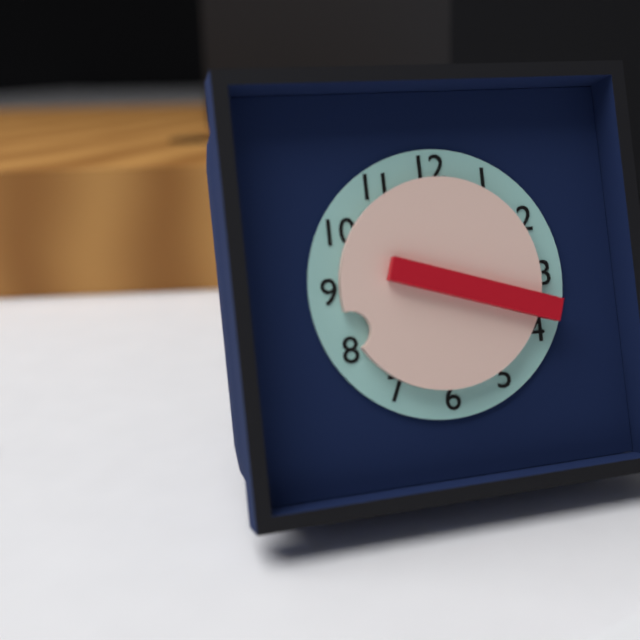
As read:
8:18
